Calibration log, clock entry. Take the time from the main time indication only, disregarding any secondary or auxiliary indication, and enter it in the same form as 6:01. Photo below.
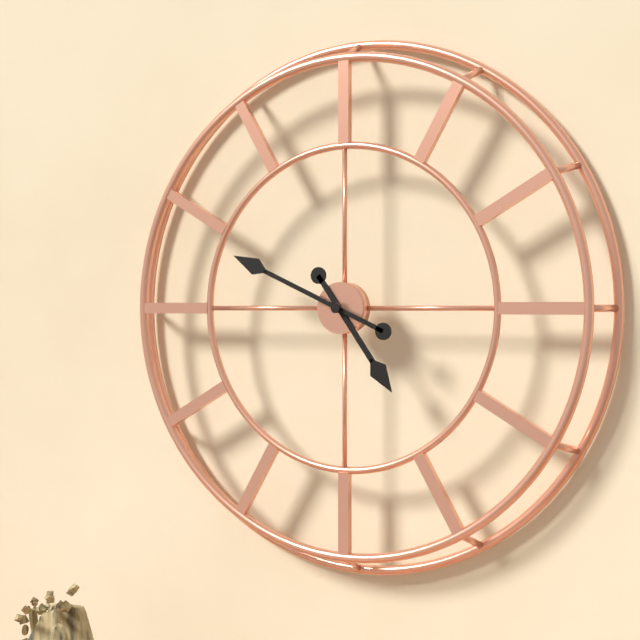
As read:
4:49
